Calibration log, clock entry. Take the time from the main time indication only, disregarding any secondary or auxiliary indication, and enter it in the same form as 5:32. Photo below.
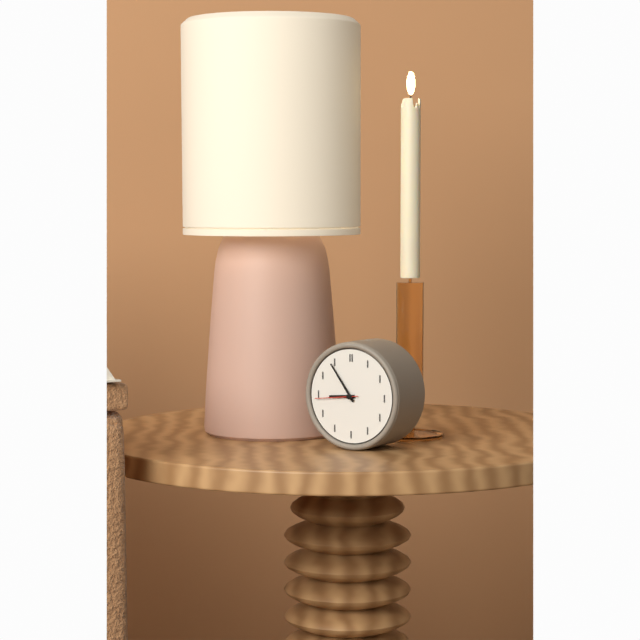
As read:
8:54
